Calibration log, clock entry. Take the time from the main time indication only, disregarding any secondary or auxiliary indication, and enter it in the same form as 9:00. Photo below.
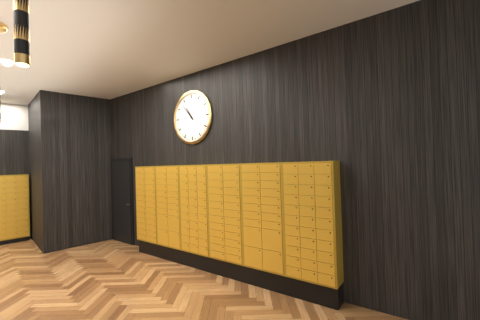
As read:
10:53
